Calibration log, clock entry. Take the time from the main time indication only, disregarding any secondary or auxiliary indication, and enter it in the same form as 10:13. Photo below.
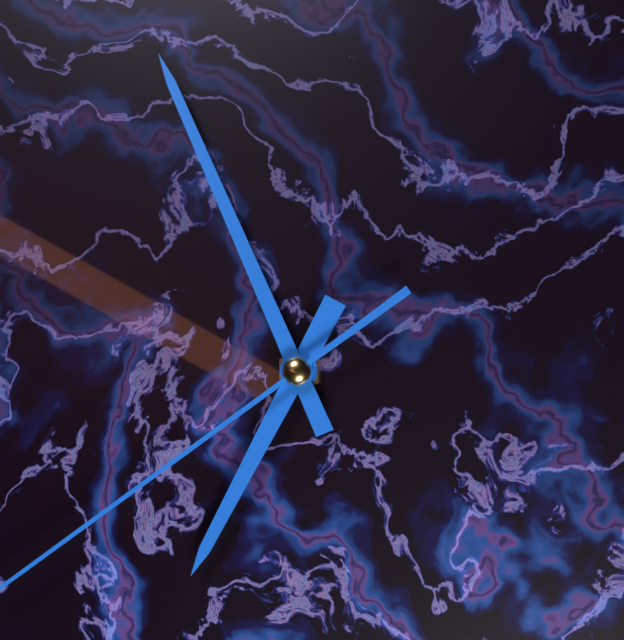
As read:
6:56
